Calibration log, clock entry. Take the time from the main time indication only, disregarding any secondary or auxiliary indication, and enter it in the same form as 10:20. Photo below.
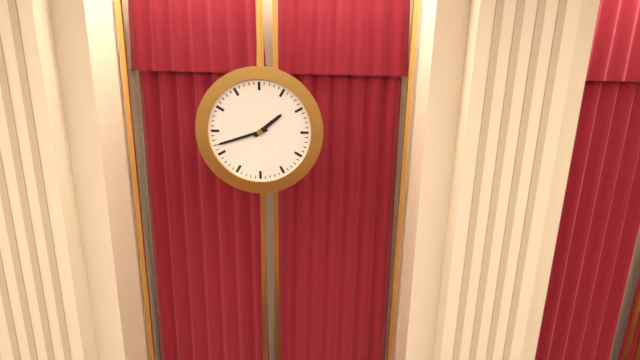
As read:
1:42
